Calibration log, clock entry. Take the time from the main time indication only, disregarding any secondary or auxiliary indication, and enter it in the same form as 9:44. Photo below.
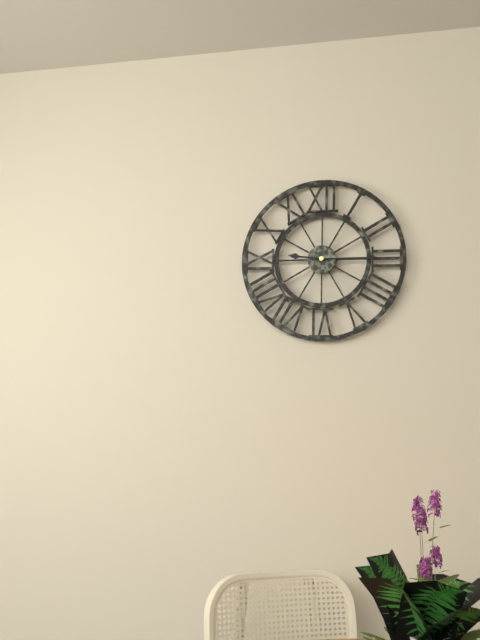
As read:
9:15
